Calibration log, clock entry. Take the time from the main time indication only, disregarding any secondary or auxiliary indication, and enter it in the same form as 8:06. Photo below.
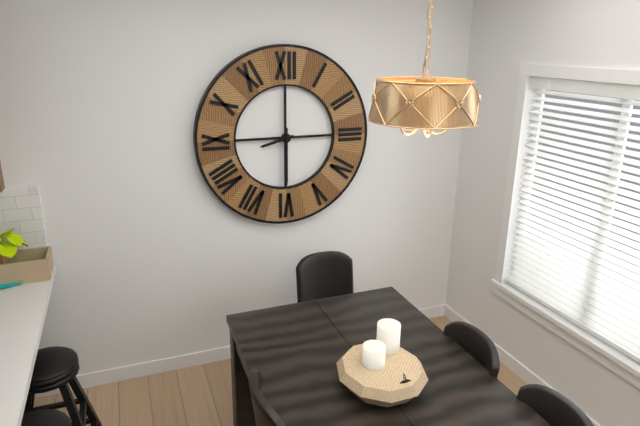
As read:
8:30
